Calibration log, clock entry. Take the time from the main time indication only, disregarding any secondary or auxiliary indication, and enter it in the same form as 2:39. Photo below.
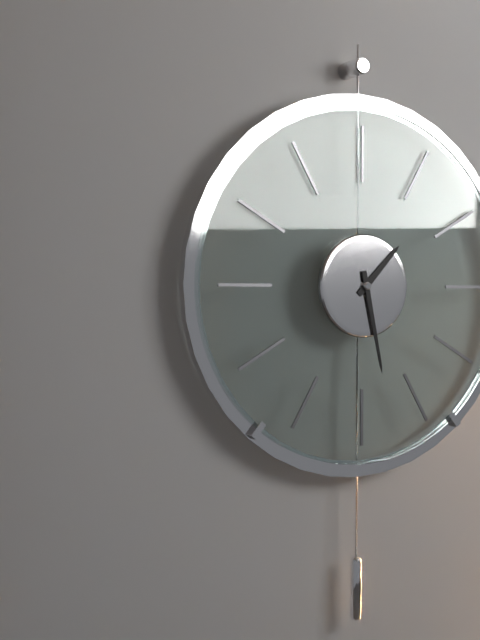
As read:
1:28
